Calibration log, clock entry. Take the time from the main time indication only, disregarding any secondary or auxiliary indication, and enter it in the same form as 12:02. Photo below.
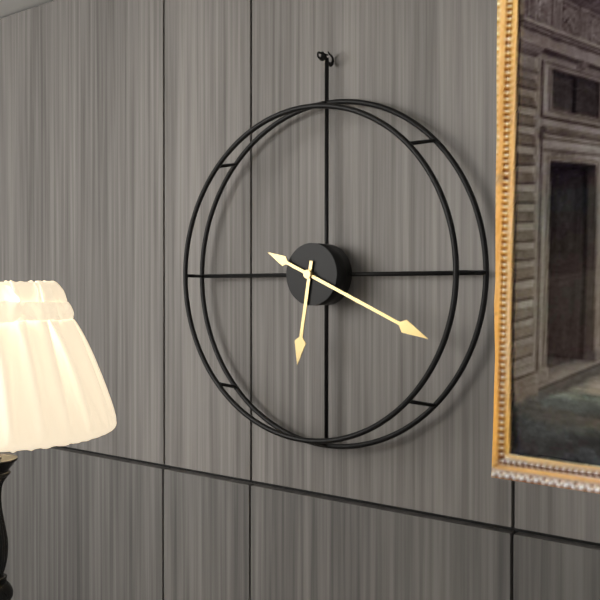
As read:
6:19
